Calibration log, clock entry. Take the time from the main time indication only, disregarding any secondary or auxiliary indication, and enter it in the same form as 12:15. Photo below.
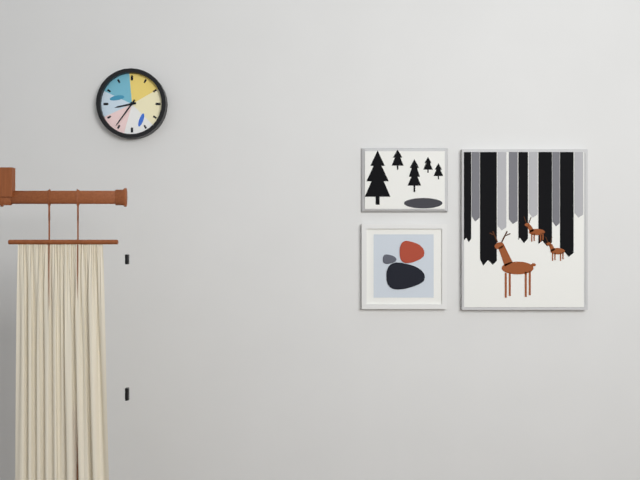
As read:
8:36
